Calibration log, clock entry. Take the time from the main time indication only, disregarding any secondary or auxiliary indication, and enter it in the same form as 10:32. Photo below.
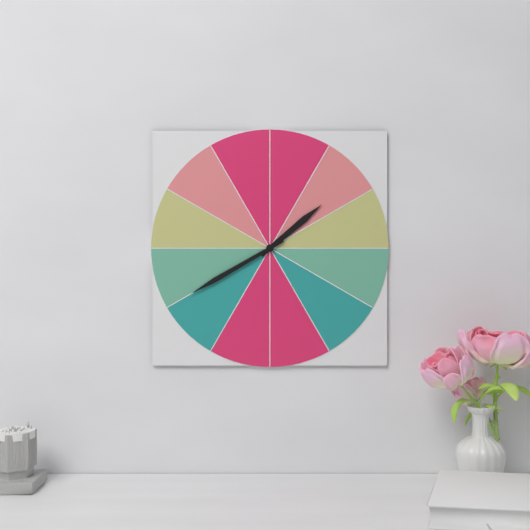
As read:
1:40
